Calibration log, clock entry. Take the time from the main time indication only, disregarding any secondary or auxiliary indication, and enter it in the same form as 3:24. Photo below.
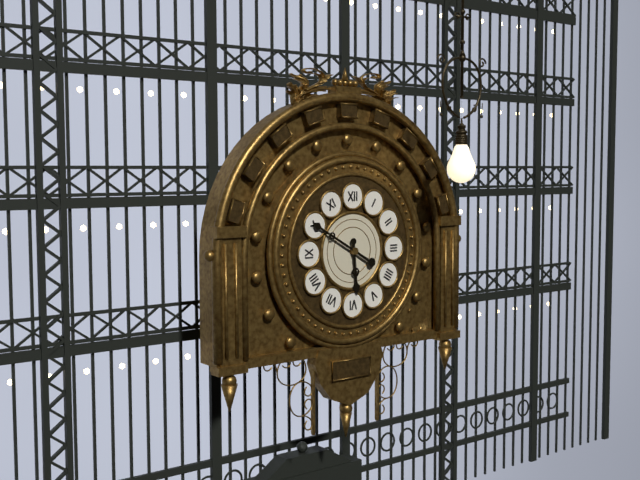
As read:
5:50
